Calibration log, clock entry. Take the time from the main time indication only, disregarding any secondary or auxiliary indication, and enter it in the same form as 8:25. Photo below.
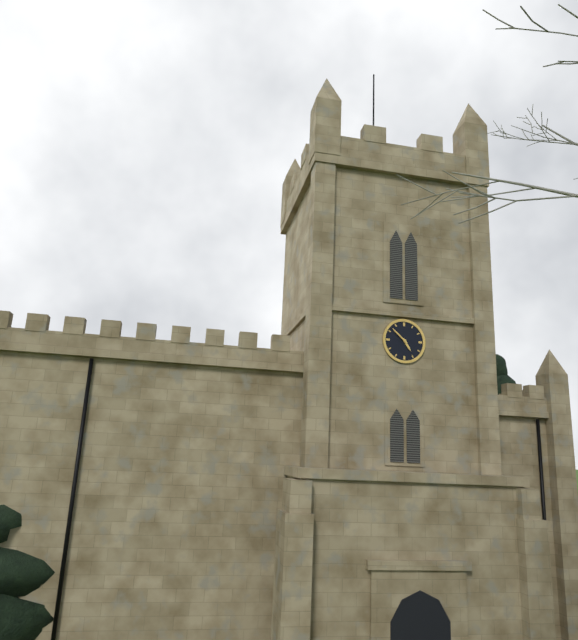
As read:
4:52
